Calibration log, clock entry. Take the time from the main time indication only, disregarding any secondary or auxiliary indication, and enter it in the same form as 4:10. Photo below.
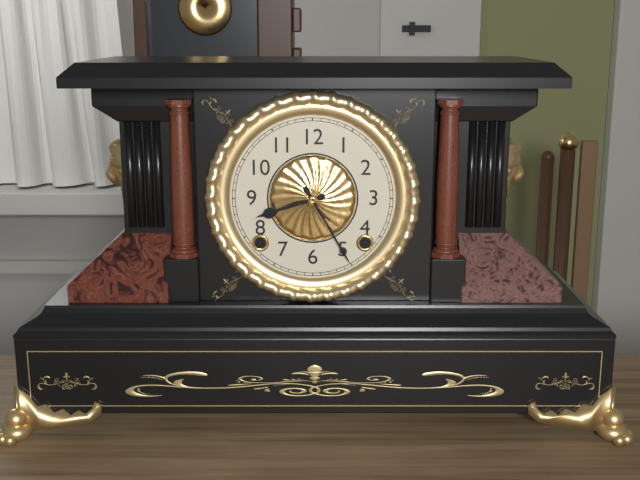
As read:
8:25
